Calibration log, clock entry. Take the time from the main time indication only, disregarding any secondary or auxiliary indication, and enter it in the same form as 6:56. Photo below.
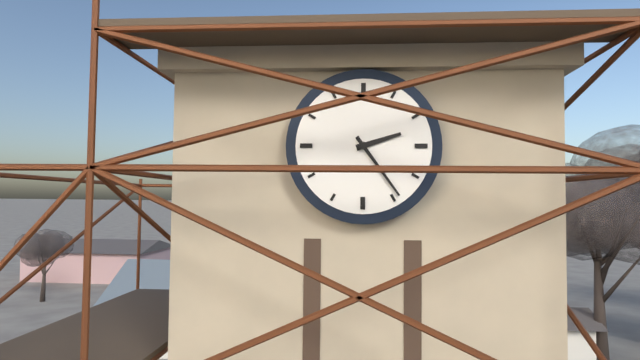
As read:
2:24
